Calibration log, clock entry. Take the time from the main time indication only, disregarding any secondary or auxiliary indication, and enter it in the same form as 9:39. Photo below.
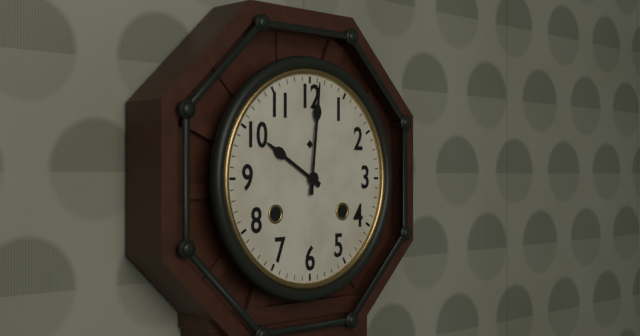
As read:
10:01
